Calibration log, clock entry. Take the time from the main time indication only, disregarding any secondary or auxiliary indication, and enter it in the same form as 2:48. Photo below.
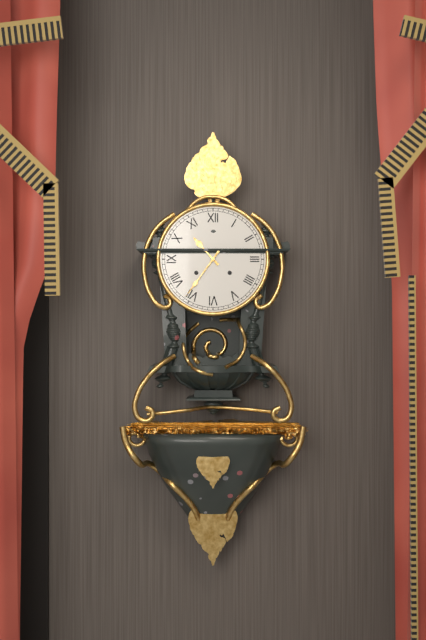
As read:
10:36
